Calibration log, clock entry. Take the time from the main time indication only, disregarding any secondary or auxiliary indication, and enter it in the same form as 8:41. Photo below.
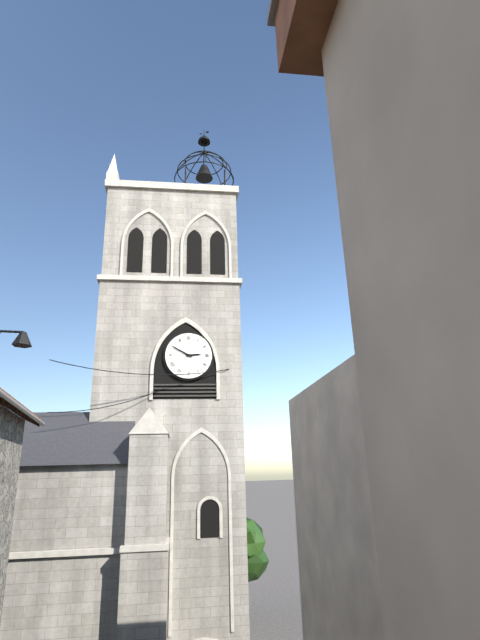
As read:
2:50
